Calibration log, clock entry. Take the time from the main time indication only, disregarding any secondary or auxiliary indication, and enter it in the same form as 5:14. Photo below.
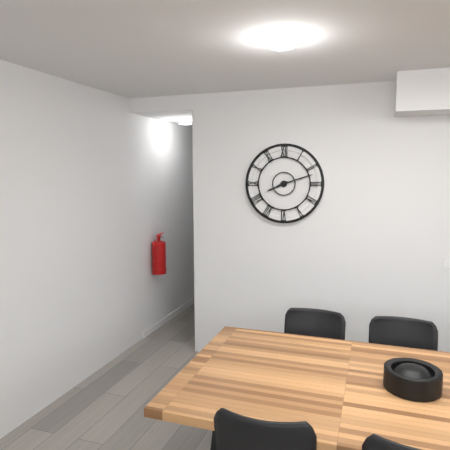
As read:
8:12
